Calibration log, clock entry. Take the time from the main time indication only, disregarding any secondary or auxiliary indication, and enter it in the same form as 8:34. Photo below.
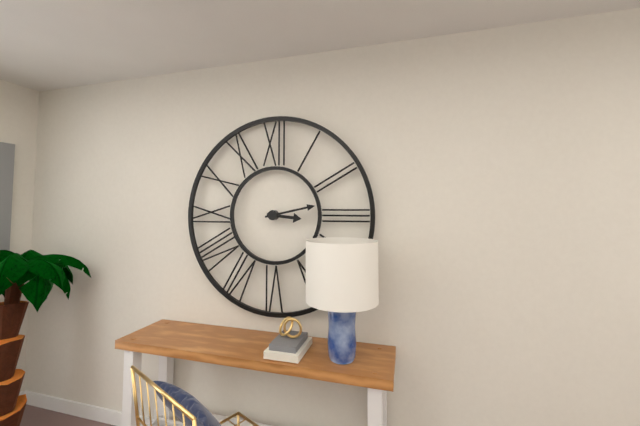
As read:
3:13
